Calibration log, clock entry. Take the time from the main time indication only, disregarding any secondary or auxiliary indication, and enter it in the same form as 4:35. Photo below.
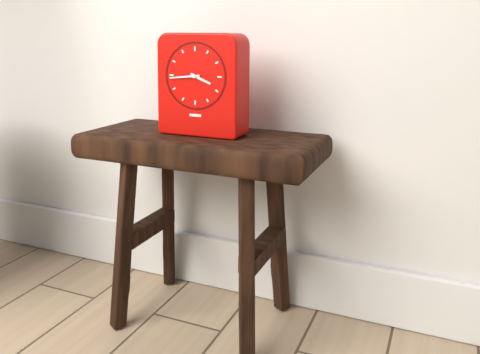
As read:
3:44
